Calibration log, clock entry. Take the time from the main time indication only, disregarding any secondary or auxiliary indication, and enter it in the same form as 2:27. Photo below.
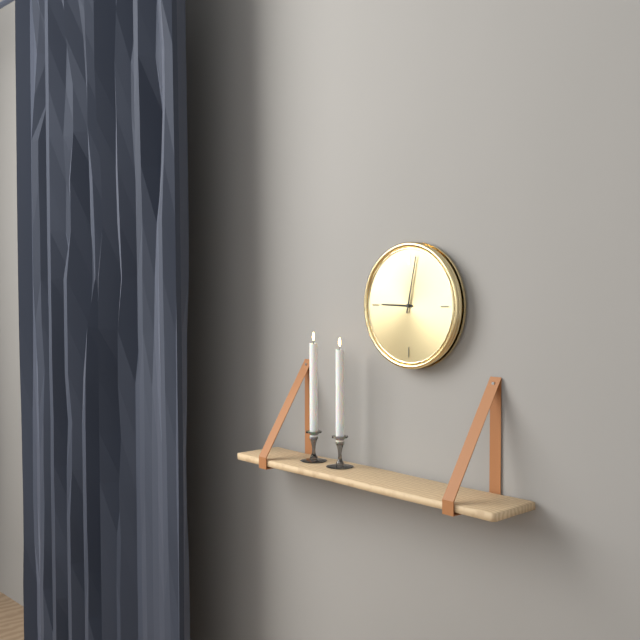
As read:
9:02
